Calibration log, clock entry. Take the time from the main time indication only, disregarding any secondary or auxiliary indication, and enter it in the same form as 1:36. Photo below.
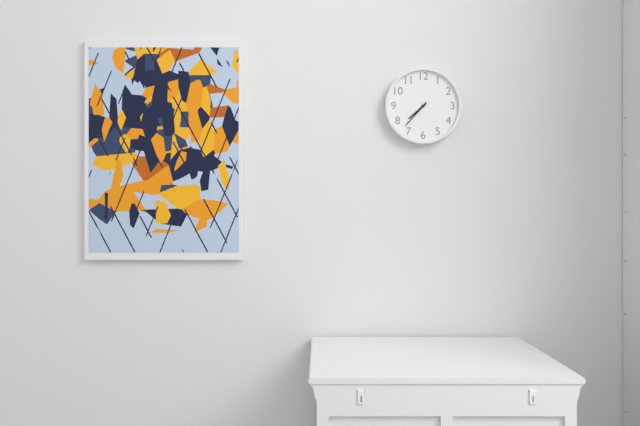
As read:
7:37
